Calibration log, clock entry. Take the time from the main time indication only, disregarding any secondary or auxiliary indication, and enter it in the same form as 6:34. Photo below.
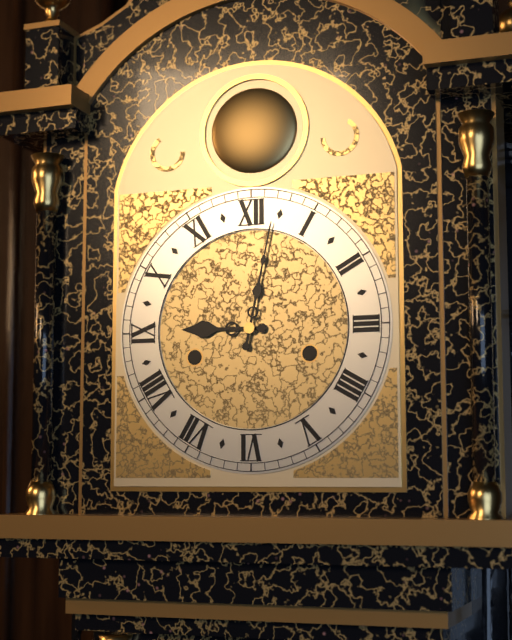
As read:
9:02
